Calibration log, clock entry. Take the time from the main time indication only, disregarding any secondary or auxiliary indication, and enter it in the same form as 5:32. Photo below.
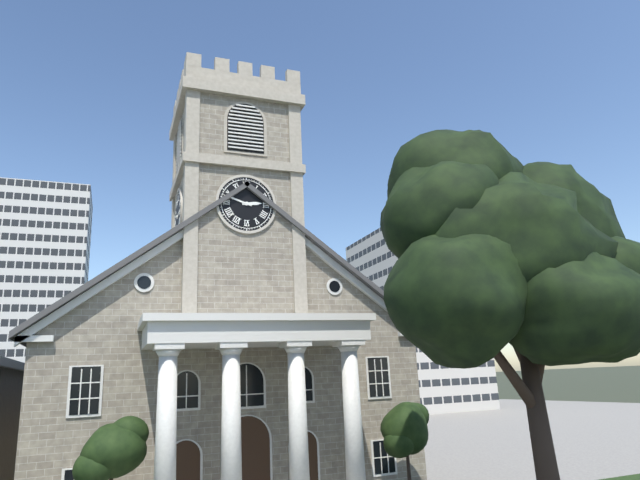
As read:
2:48
